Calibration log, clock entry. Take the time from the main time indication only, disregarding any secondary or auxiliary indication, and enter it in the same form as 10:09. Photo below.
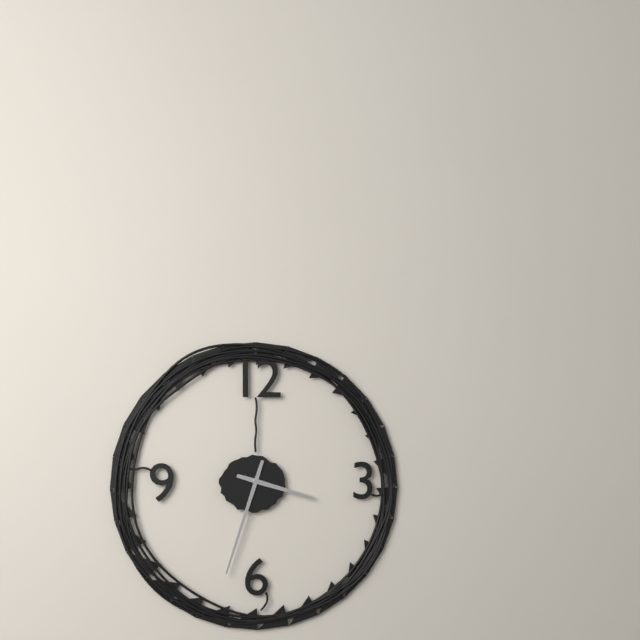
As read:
3:33
